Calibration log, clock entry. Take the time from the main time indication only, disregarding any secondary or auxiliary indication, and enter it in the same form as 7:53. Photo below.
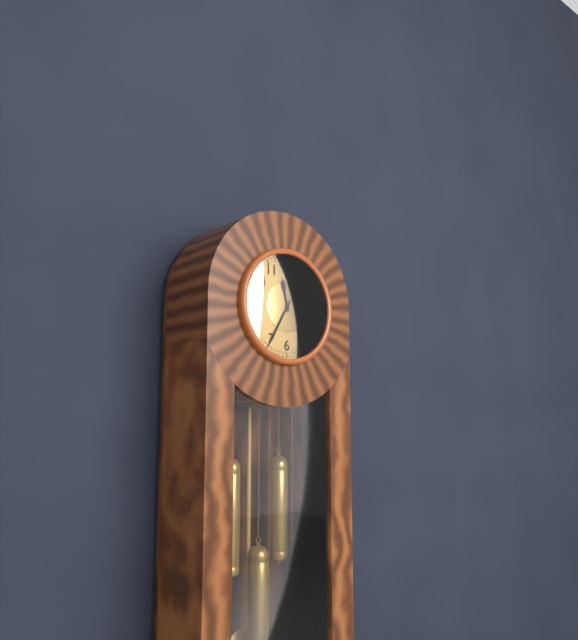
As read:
11:35
